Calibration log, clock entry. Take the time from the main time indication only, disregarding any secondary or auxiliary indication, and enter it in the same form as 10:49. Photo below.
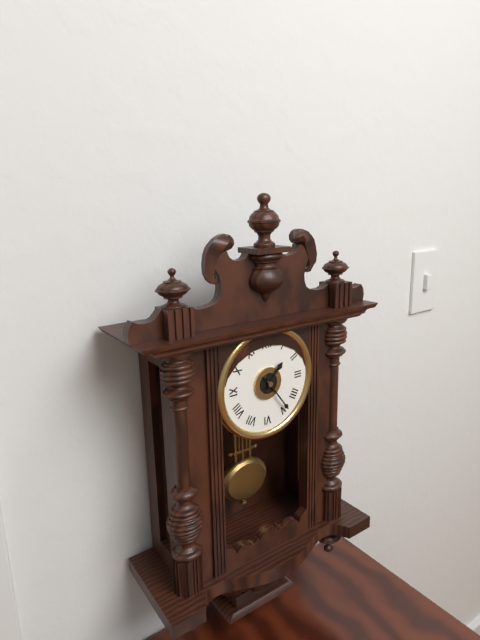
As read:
1:24
